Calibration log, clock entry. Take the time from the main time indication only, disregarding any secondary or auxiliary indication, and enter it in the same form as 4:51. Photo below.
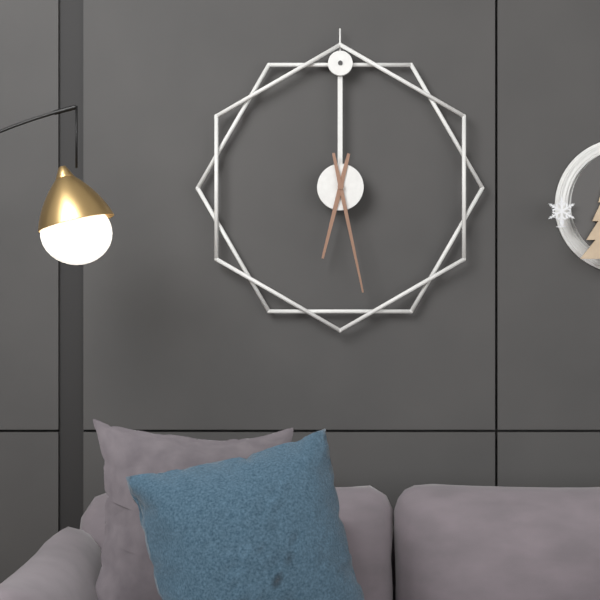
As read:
6:28
